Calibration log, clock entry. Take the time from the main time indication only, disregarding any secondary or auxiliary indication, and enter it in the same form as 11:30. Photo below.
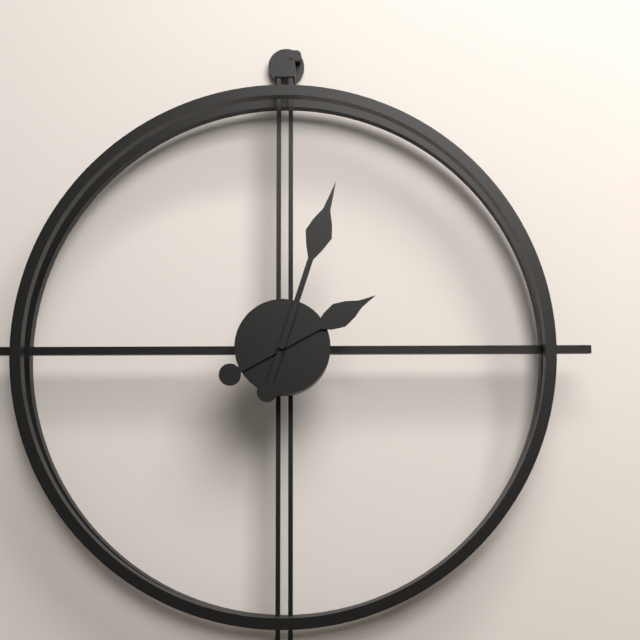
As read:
2:03
